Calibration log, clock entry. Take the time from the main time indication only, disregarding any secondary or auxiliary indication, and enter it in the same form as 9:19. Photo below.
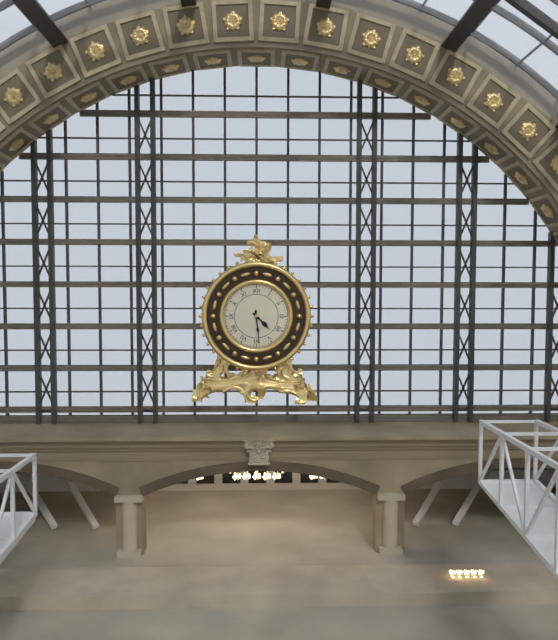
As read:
4:29
